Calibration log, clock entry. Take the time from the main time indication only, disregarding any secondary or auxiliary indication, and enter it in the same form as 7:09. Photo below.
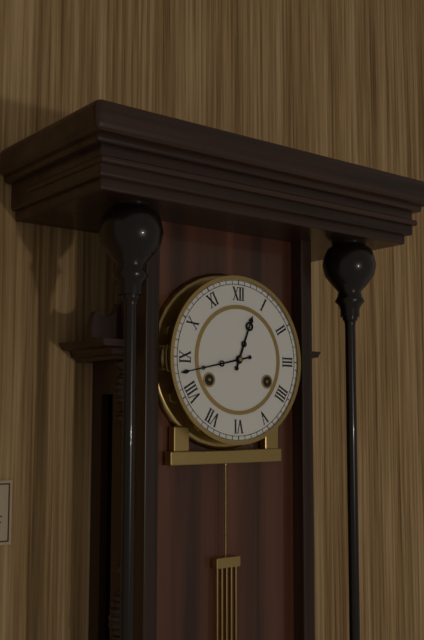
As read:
12:43
